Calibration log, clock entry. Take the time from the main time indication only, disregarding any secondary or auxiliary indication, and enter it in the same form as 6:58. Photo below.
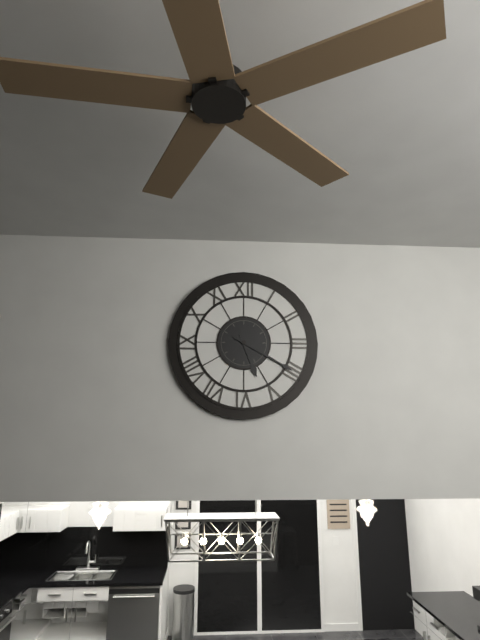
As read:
5:20
